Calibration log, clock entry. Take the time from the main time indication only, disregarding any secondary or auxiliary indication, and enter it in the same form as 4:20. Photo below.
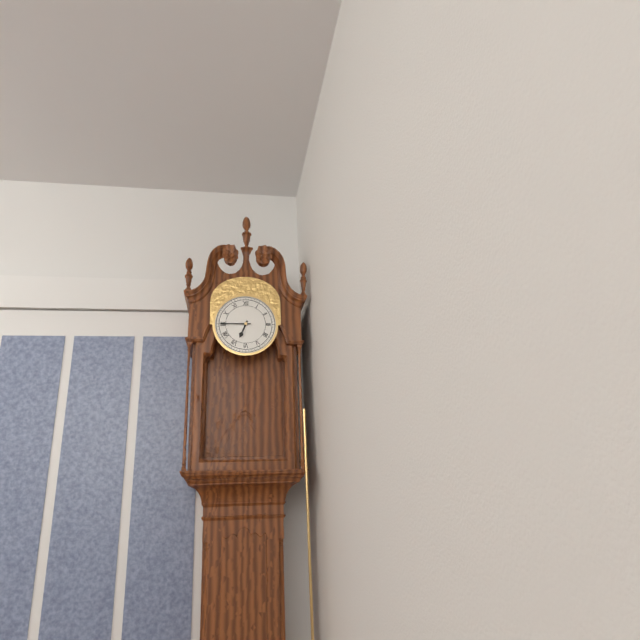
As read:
6:45
